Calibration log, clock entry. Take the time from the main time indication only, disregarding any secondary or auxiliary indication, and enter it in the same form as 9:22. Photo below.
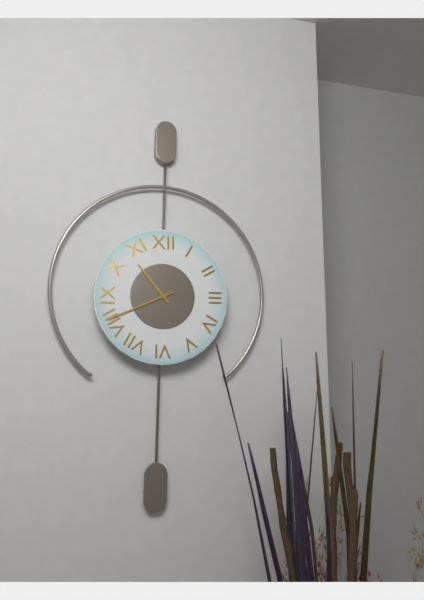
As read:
10:41
